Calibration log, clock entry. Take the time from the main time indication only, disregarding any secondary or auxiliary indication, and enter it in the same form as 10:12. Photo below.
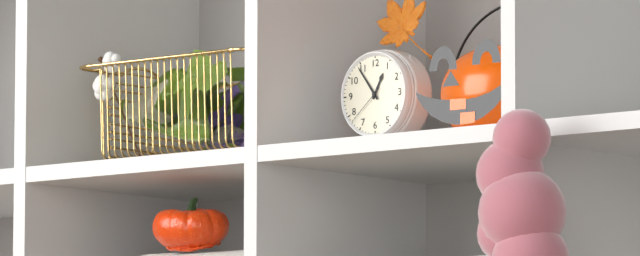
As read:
12:54
